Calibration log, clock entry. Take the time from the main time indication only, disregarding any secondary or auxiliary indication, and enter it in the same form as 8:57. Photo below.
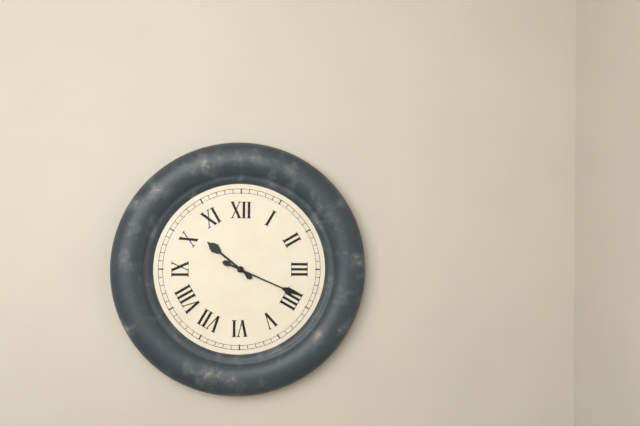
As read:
10:19
